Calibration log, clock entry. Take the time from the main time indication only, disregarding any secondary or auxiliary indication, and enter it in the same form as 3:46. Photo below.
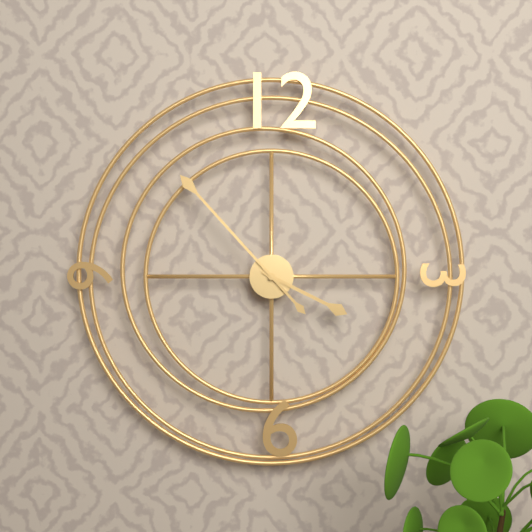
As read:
3:53
